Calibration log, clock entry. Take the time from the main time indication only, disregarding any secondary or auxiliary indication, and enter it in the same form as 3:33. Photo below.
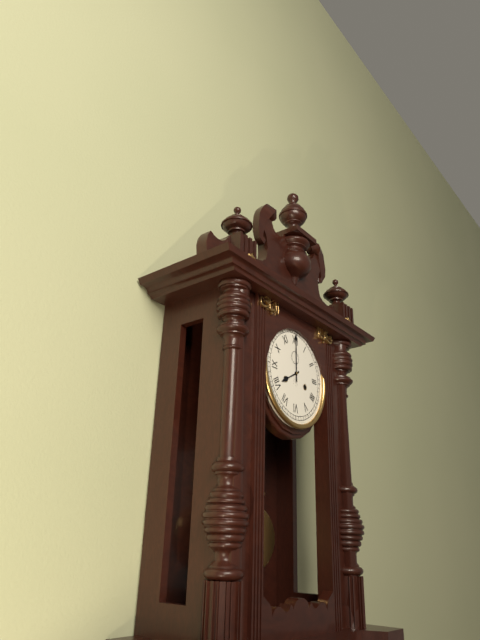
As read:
8:00
